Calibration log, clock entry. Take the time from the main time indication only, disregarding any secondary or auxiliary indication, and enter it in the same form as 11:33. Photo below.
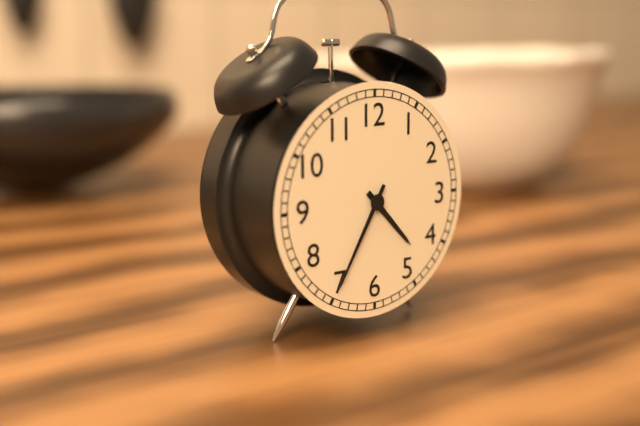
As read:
4:35
